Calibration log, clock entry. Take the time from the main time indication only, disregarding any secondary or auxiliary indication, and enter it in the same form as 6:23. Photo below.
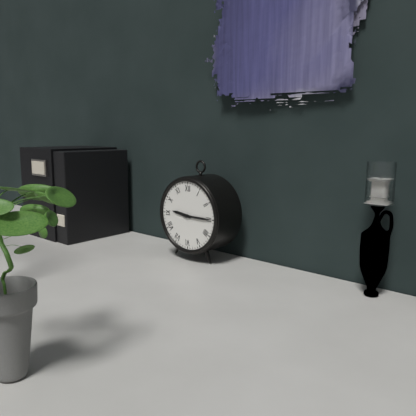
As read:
9:15
